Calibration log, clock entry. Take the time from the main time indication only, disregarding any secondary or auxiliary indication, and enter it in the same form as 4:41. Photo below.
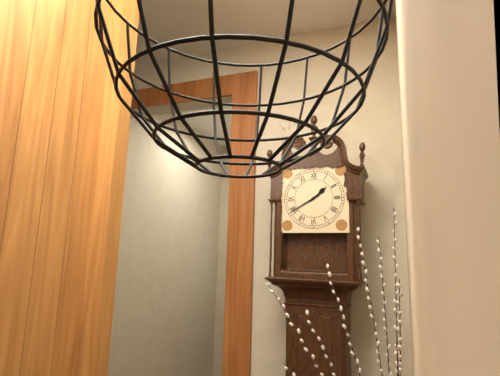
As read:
1:40
